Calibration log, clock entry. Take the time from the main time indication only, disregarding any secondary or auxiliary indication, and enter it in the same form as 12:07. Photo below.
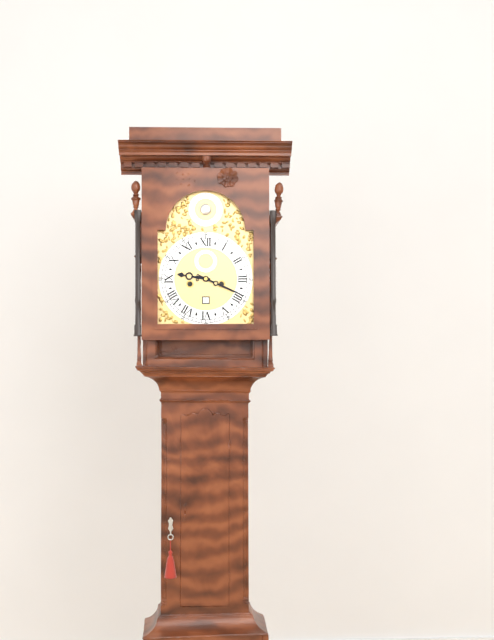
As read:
9:19
